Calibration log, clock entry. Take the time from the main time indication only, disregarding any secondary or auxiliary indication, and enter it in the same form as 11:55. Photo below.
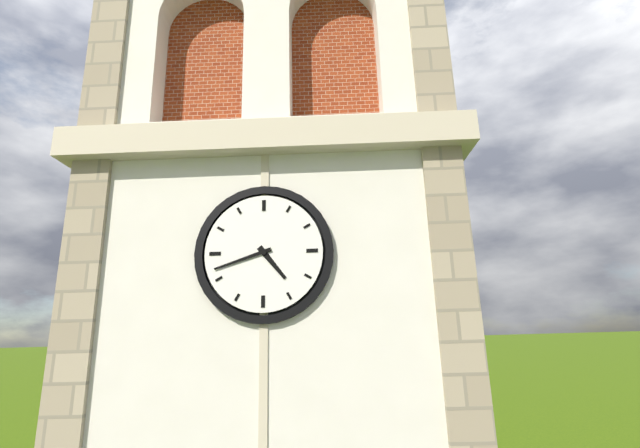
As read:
4:42
